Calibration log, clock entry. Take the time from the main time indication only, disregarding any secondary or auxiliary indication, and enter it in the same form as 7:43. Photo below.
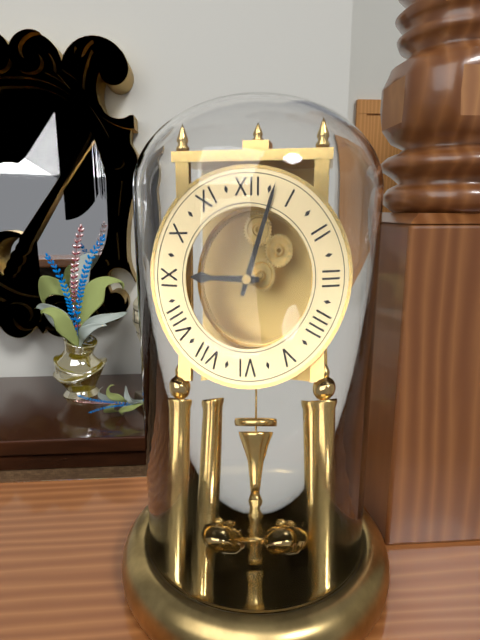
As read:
9:03
